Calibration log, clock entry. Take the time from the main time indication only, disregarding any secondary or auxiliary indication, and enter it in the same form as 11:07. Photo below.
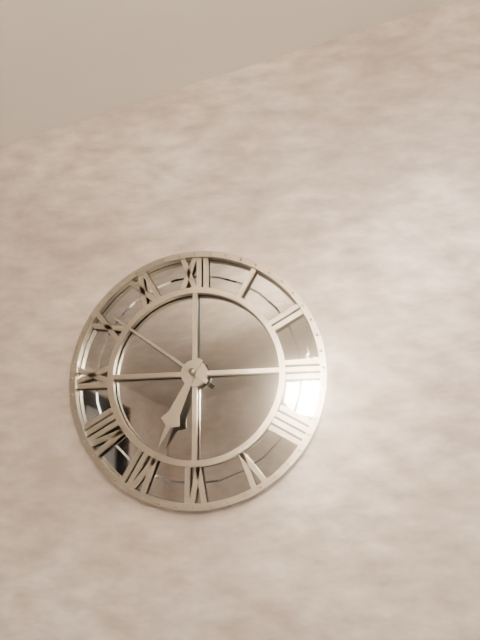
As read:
6:51
